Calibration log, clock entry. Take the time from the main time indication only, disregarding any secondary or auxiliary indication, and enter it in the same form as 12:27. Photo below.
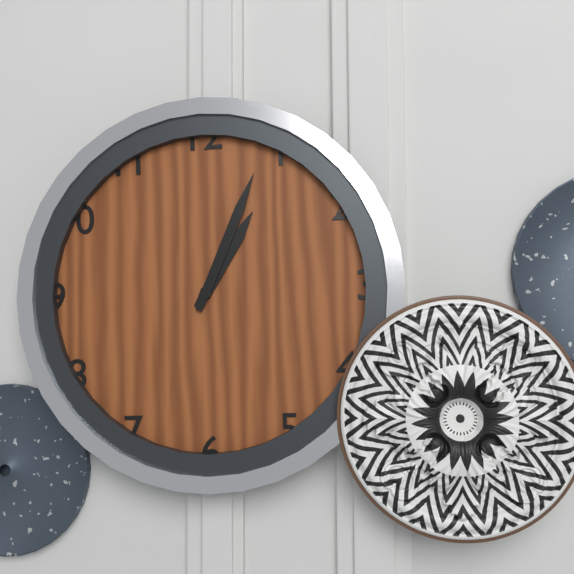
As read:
1:04
